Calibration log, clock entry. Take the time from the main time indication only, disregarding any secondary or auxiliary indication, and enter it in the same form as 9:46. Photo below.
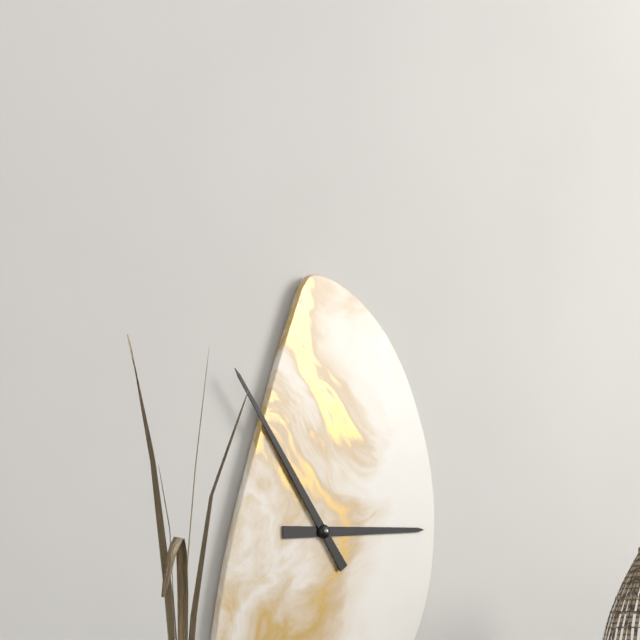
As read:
2:54
